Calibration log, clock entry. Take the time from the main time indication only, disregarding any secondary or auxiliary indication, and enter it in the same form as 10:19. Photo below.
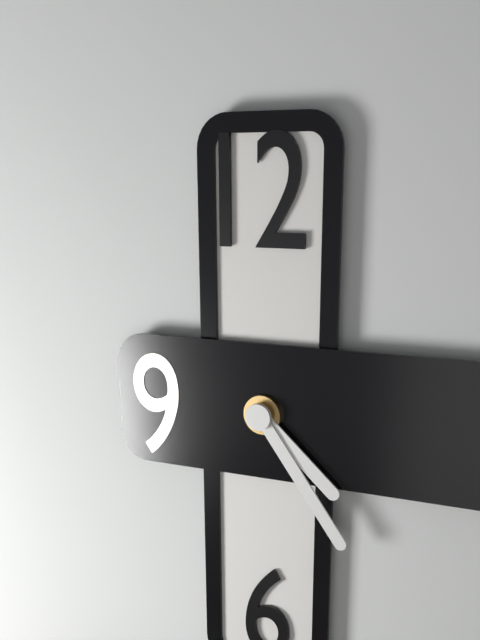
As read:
4:24
